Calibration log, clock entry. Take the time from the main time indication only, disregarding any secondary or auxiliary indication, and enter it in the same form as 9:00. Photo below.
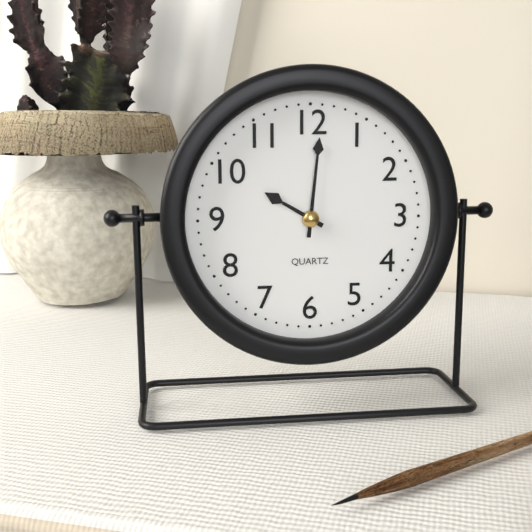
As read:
10:01
